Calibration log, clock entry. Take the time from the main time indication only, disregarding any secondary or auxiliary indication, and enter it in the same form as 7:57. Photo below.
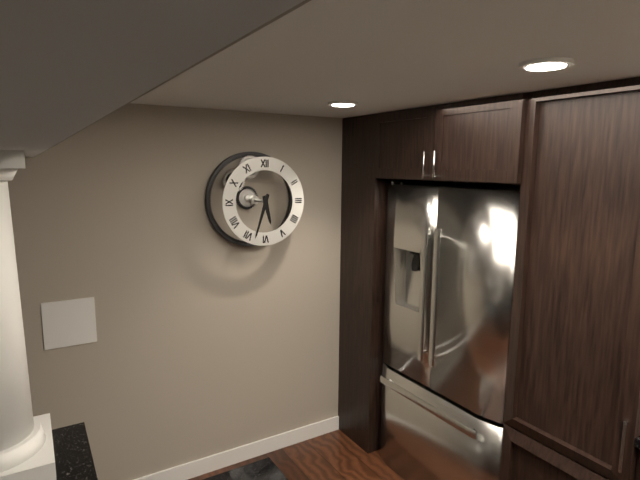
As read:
5:33
